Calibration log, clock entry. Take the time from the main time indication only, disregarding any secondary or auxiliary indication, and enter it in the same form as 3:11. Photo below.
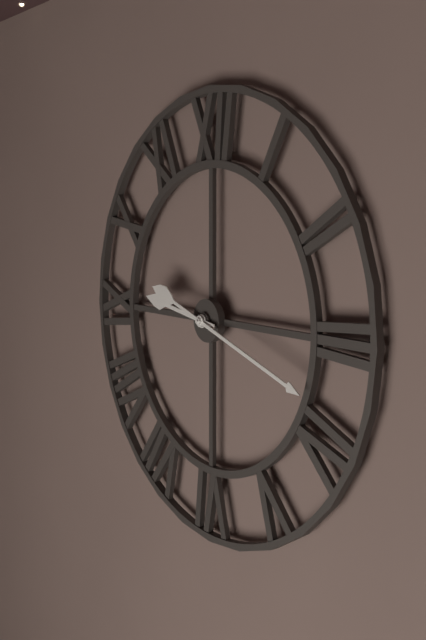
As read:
9:18
